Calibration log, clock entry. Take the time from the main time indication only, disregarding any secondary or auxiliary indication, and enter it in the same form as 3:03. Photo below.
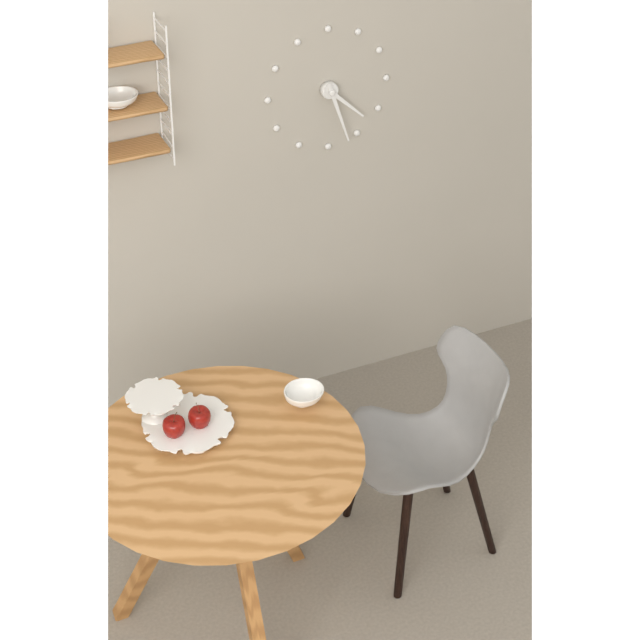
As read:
4:27
